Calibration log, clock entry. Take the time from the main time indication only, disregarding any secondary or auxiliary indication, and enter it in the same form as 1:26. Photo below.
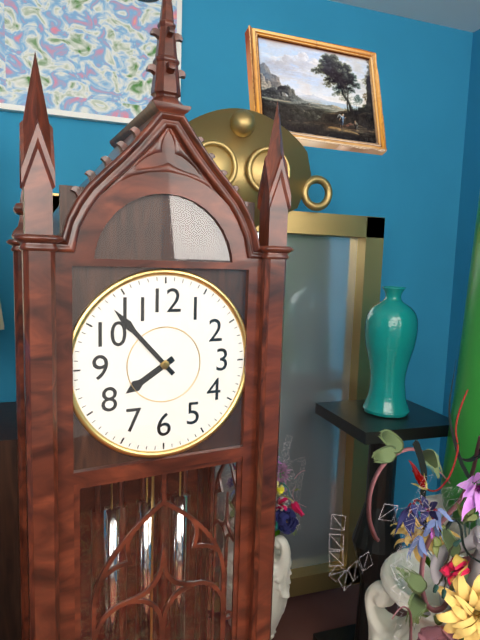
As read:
7:53
